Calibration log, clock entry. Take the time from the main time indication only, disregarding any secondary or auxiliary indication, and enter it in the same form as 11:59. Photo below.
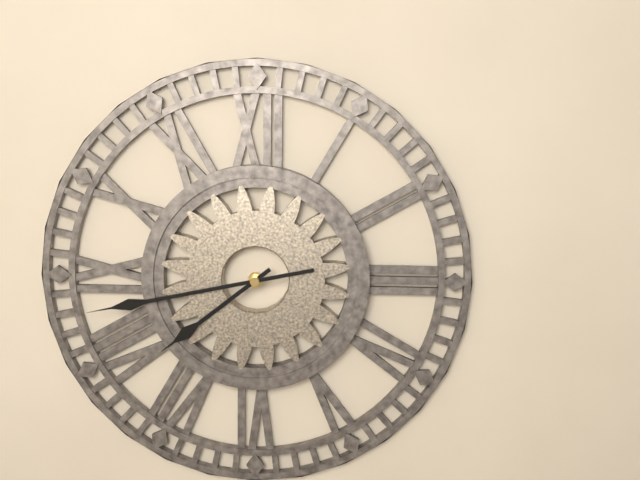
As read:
7:43
